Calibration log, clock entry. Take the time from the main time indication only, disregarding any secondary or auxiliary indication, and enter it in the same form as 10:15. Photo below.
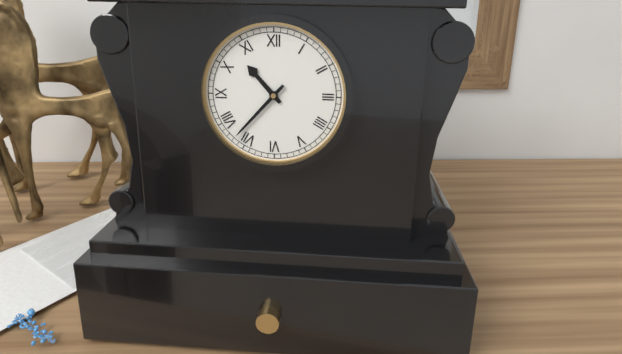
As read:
10:37
